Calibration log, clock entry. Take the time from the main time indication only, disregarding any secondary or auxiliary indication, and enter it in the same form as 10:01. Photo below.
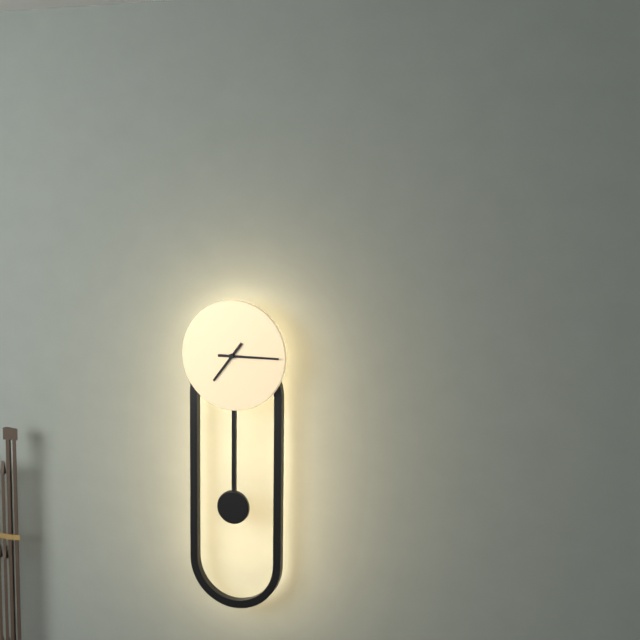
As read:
7:15
